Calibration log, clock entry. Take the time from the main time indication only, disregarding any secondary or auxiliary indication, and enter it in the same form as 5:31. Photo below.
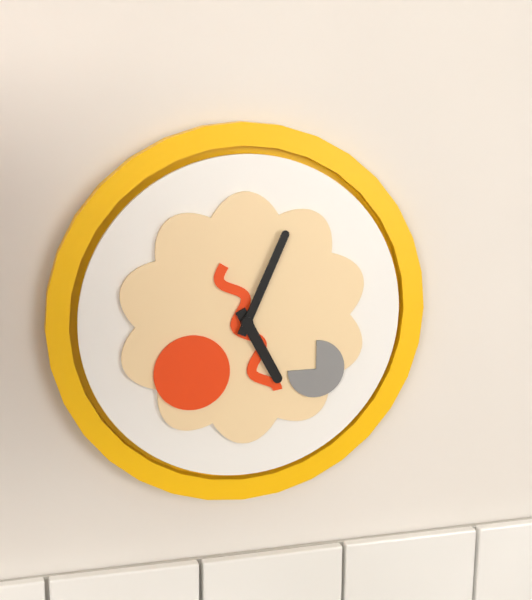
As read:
5:04
